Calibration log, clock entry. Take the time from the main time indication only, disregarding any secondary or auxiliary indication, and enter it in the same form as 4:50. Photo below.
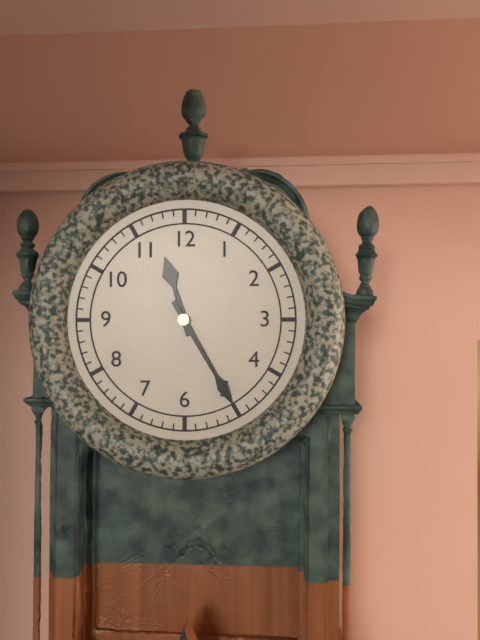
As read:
11:25
